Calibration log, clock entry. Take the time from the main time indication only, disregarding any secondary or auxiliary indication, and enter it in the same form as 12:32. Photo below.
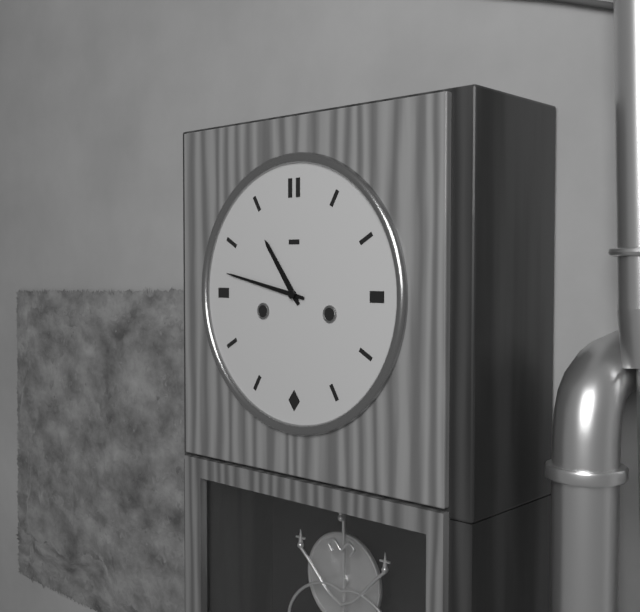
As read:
10:47
